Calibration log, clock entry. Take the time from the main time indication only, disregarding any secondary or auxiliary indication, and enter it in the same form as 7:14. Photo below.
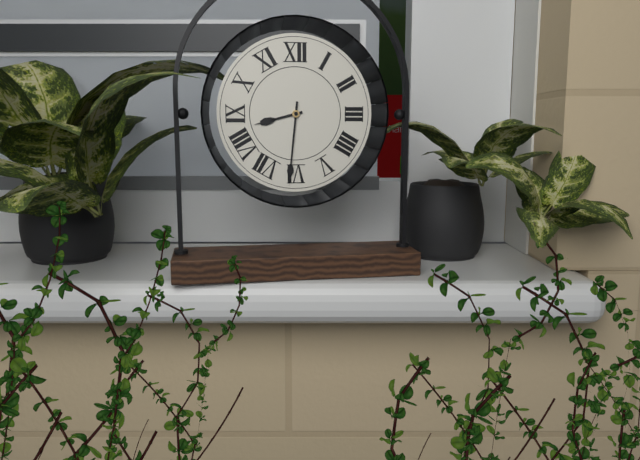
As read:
8:31
